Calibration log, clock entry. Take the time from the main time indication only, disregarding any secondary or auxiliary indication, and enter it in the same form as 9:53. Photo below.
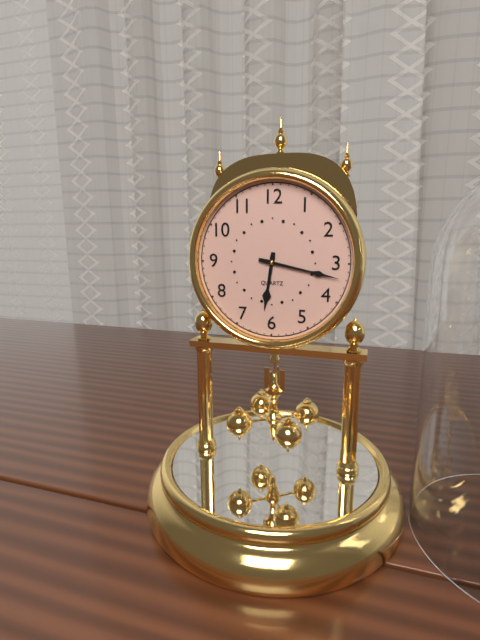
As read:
6:17
